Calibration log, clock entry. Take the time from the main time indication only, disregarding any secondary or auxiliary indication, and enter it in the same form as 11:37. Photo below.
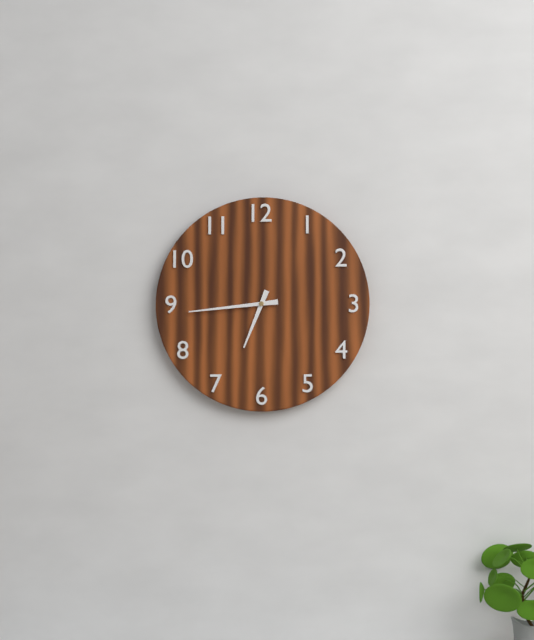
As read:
6:44
